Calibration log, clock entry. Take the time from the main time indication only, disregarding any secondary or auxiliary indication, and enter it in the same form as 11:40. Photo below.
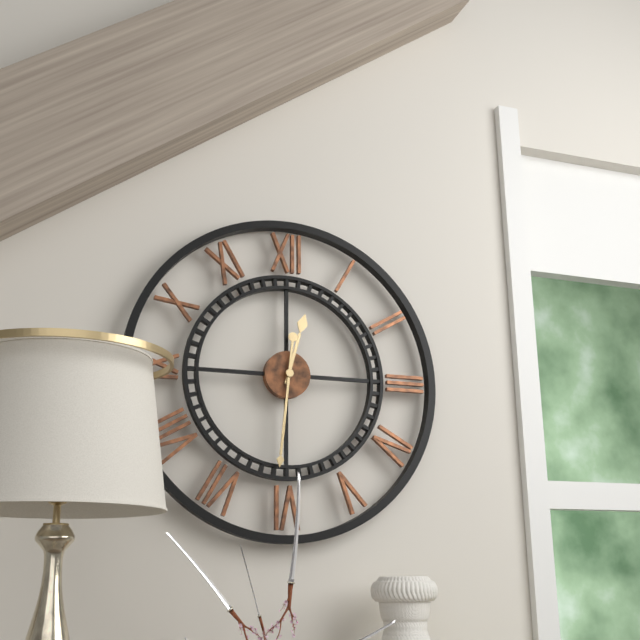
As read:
12:31
